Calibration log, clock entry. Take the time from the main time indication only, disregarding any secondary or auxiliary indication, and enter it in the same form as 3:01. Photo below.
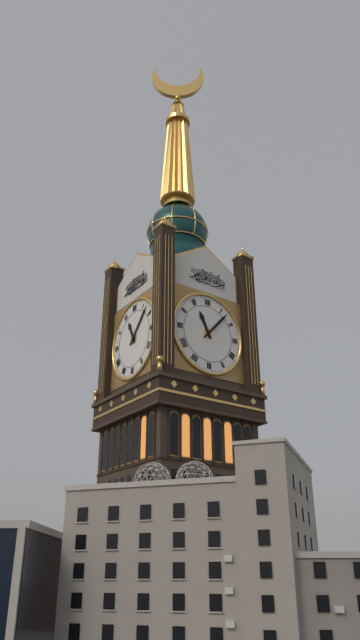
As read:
11:07
